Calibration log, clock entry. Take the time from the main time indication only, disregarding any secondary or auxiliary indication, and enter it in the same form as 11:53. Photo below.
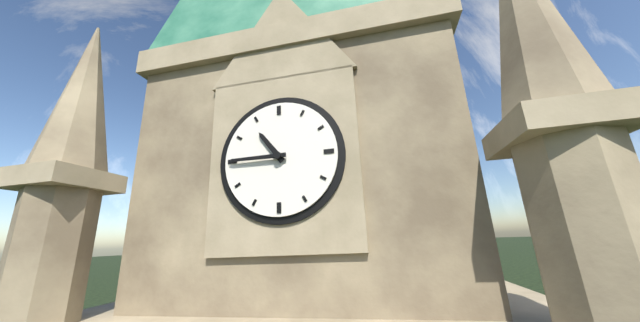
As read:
10:45
